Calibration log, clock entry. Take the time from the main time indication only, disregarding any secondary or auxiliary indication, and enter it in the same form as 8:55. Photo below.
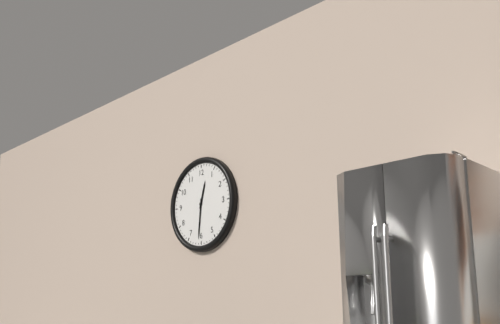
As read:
12:31
